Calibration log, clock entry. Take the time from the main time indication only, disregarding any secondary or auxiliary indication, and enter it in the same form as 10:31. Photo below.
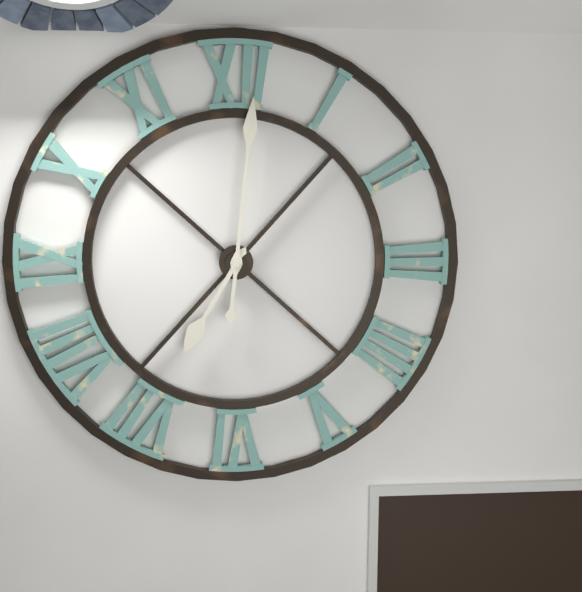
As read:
7:01
